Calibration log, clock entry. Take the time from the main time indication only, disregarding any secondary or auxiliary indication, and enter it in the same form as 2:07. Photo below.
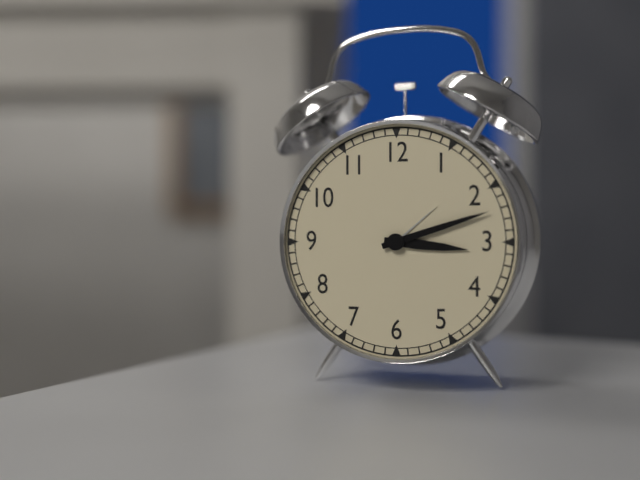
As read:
3:12
